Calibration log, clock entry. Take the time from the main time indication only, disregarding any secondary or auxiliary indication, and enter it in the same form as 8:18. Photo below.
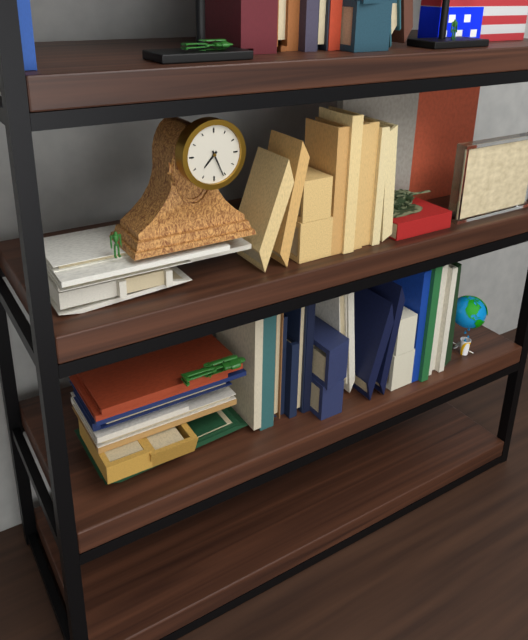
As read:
7:26
